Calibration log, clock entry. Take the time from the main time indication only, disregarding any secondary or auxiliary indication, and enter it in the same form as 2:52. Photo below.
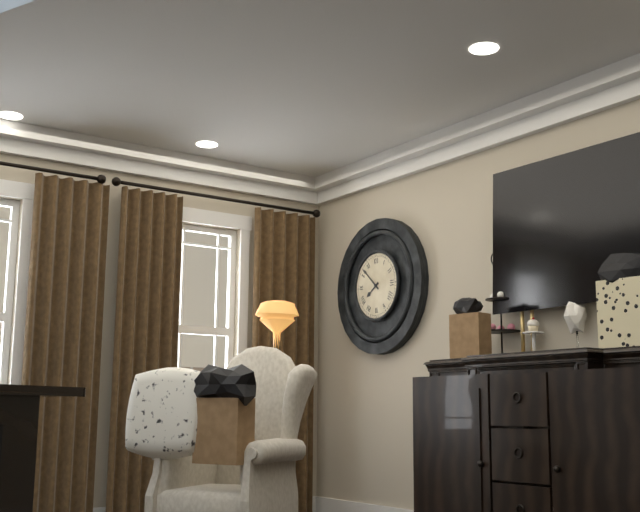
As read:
7:52
